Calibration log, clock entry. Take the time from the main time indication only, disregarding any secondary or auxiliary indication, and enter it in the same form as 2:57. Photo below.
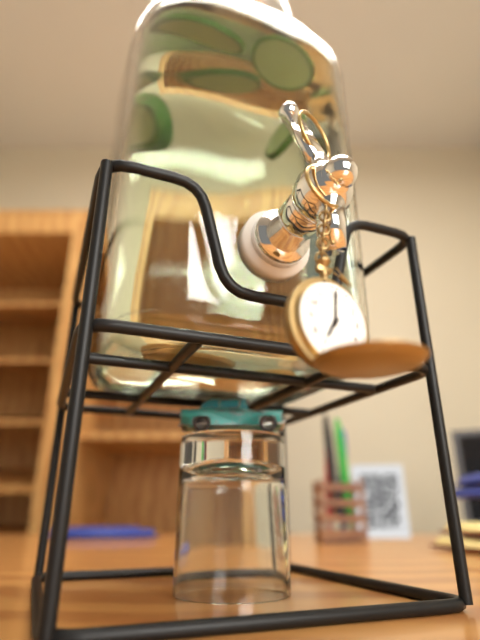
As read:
7:01
